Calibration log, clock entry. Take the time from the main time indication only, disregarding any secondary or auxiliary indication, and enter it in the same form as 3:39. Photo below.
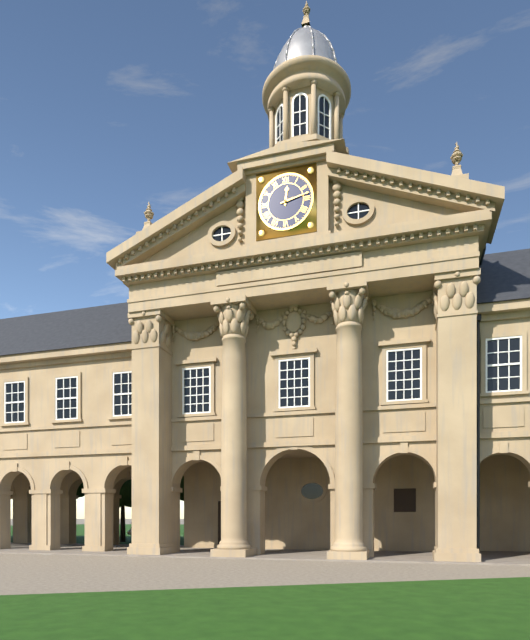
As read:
12:13
